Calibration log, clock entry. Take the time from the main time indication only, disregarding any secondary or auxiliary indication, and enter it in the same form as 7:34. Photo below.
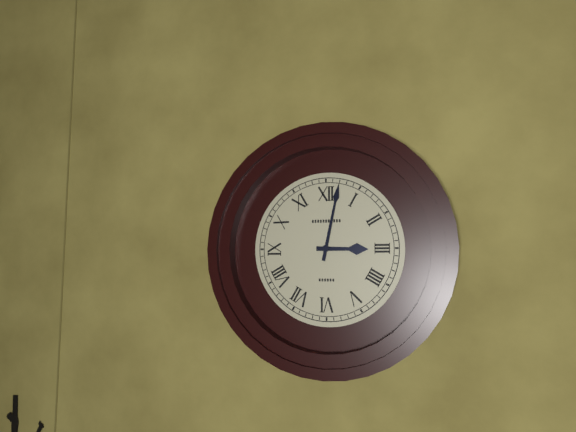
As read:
3:02
